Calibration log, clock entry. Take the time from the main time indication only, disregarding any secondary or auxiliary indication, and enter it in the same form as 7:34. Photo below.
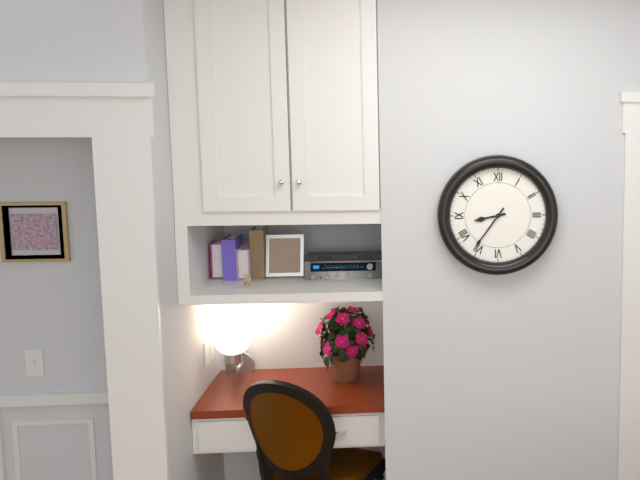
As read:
8:36
